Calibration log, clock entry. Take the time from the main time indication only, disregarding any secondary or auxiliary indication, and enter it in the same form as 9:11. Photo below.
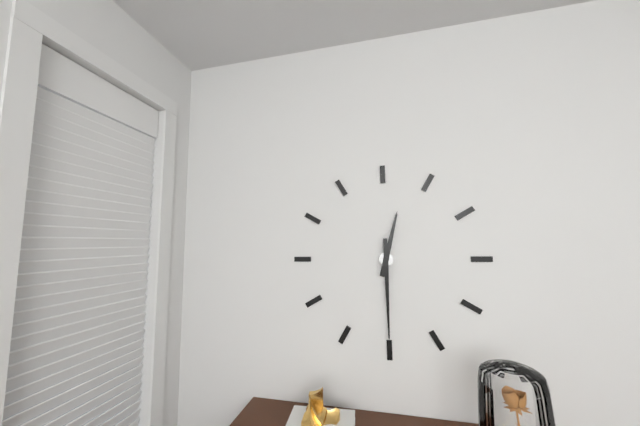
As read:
12:30
